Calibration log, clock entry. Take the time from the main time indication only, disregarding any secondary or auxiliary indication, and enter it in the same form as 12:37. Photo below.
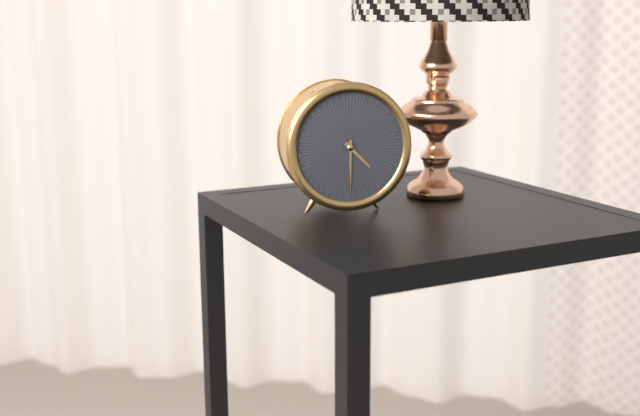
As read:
4:30
